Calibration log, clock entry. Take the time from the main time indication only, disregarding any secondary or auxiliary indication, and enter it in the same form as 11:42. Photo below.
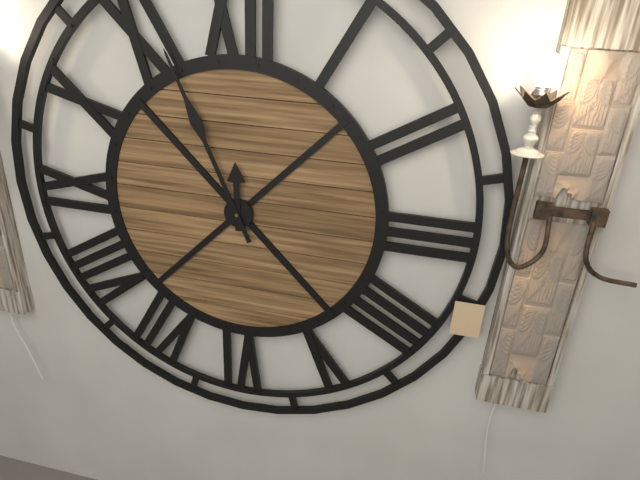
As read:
11:56
